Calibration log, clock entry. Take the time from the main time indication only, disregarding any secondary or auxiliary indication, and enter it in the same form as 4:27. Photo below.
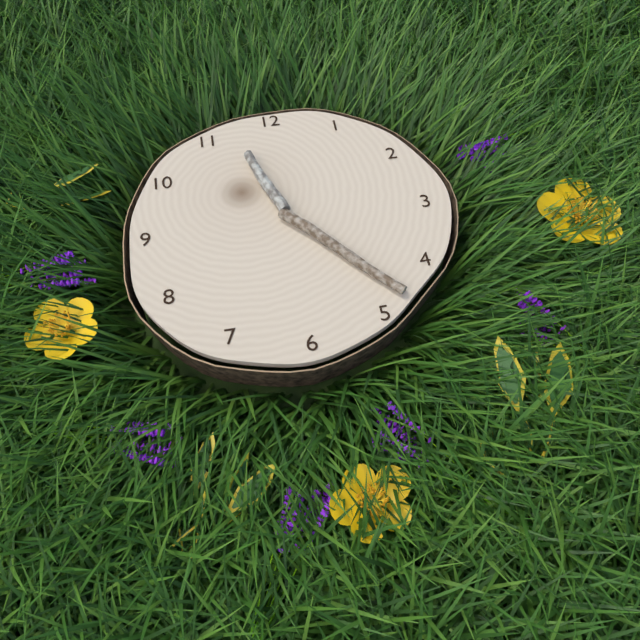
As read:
11:23
